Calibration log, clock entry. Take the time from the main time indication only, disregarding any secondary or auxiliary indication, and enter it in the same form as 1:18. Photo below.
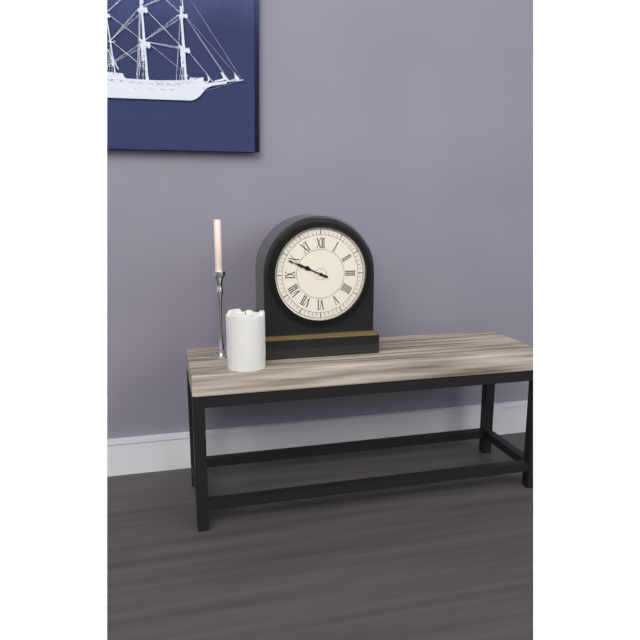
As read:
9:49
